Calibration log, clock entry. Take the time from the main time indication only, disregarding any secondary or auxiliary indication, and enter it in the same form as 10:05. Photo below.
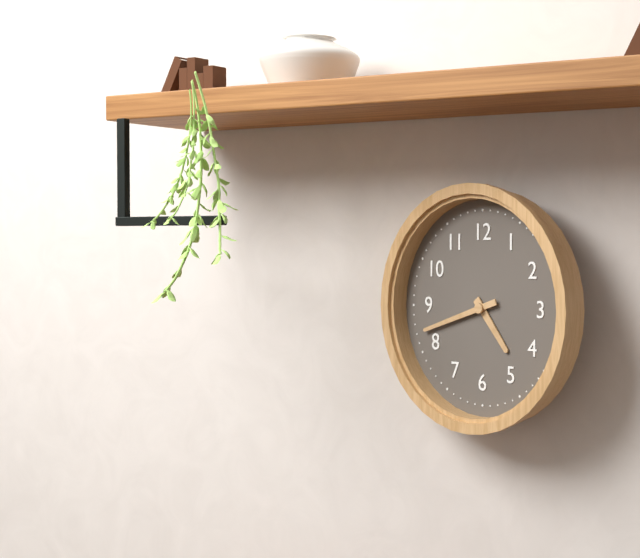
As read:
4:42
